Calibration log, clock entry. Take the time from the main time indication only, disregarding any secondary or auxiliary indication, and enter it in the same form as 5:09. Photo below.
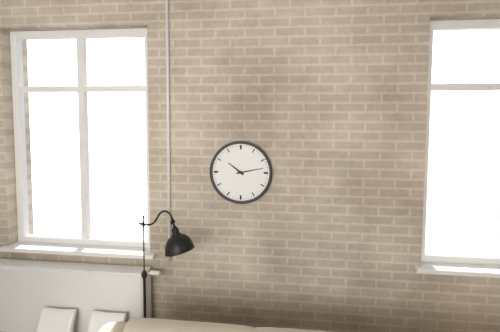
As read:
10:13
